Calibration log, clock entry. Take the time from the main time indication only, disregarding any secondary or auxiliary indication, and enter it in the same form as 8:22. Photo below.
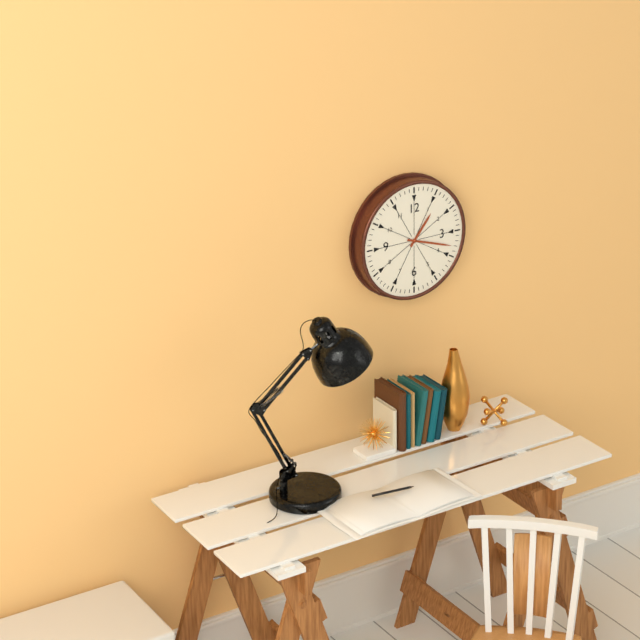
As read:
1:18
